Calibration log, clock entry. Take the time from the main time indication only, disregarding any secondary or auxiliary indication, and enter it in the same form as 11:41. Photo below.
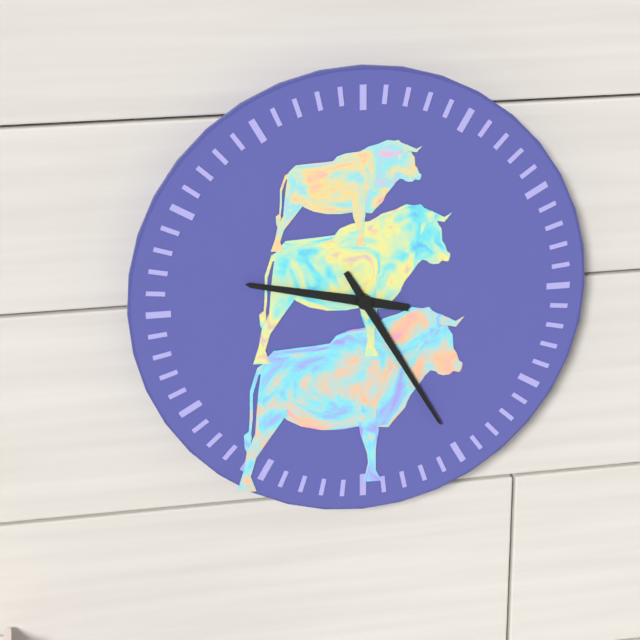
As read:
9:25
